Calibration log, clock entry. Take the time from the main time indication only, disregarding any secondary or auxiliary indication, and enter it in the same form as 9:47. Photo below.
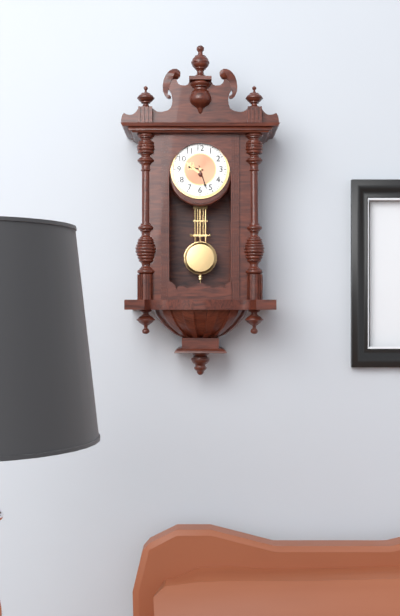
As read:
9:27
